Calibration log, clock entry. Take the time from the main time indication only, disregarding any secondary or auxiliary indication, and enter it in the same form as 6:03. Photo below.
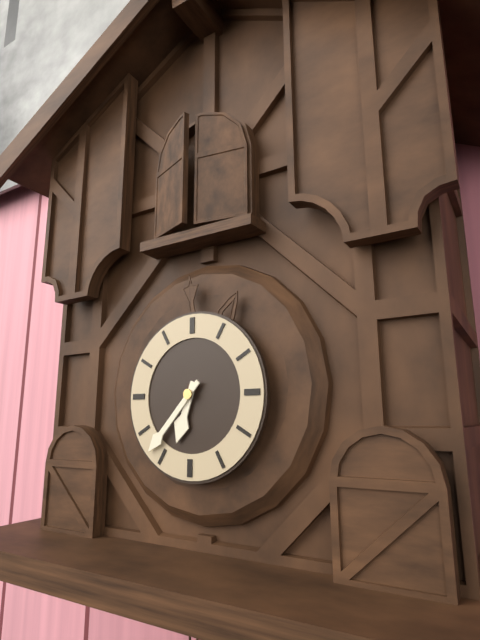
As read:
6:37
